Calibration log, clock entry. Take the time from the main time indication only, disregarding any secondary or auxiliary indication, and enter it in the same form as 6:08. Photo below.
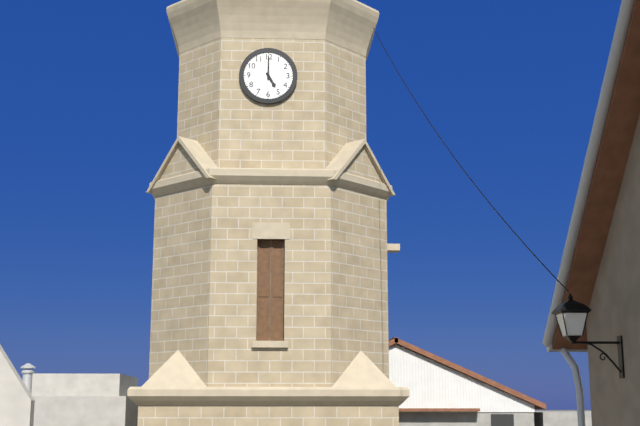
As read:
5:00
